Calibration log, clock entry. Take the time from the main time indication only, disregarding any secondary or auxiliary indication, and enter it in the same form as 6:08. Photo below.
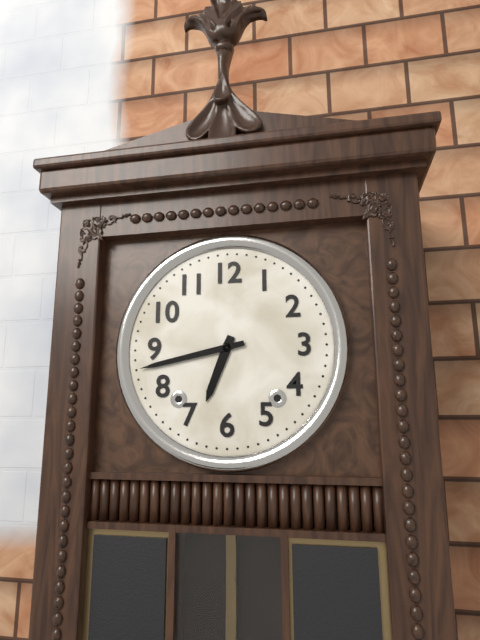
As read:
6:43
